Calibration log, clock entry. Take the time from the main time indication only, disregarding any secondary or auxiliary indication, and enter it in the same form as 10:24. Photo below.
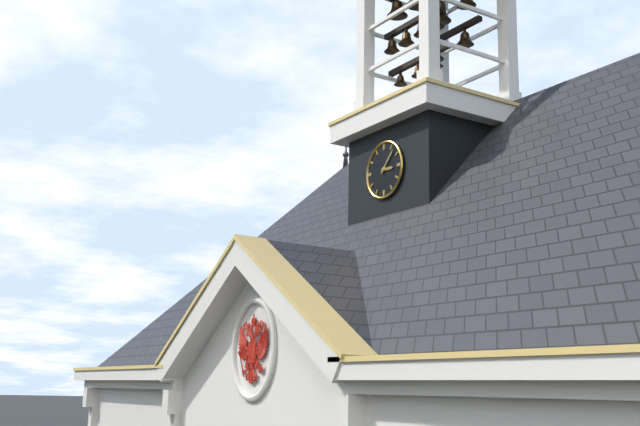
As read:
3:07
